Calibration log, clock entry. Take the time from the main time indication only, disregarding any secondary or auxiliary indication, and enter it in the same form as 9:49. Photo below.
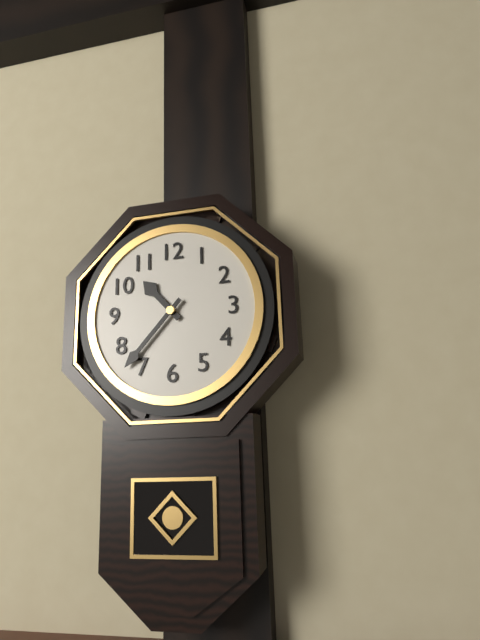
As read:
10:37
